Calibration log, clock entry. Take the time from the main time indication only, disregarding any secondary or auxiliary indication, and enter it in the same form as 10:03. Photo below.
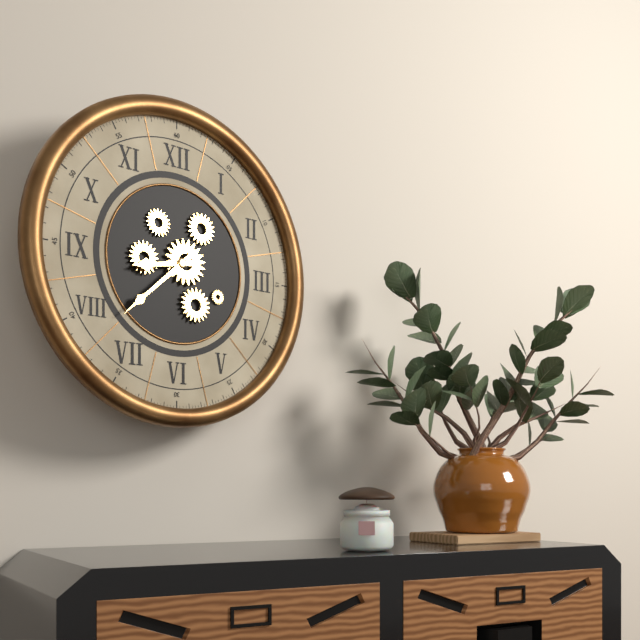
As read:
8:38
